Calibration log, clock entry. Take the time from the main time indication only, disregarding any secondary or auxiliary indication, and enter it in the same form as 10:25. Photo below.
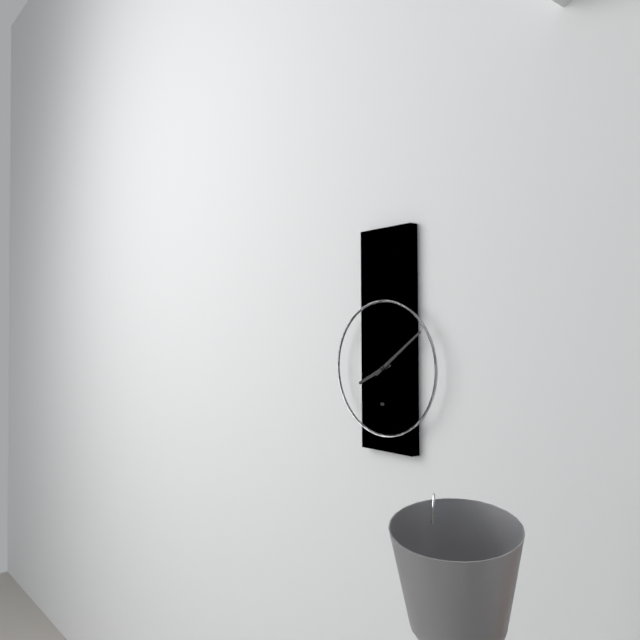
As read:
8:09
